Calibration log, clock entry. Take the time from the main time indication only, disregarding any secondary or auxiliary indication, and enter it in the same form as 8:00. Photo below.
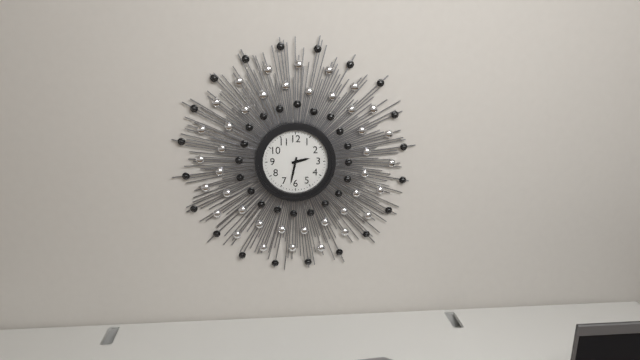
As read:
2:32
